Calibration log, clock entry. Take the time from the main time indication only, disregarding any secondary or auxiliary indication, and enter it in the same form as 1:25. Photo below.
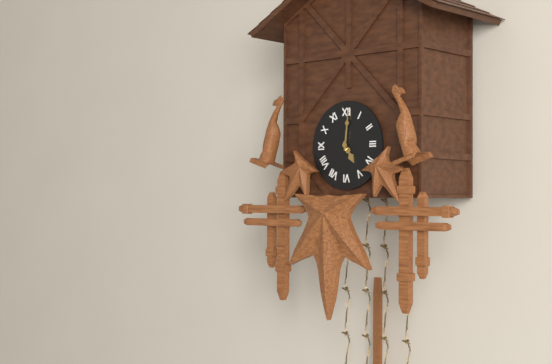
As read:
5:01
